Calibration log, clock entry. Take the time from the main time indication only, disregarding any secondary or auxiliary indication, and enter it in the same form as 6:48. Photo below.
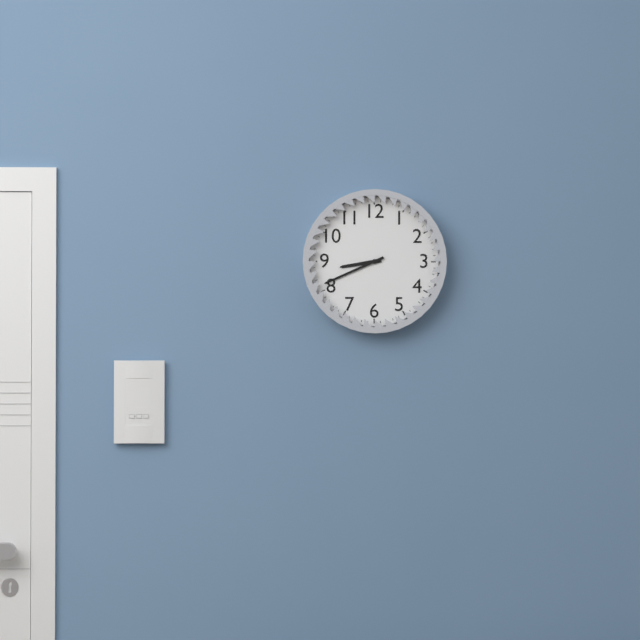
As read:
8:41
